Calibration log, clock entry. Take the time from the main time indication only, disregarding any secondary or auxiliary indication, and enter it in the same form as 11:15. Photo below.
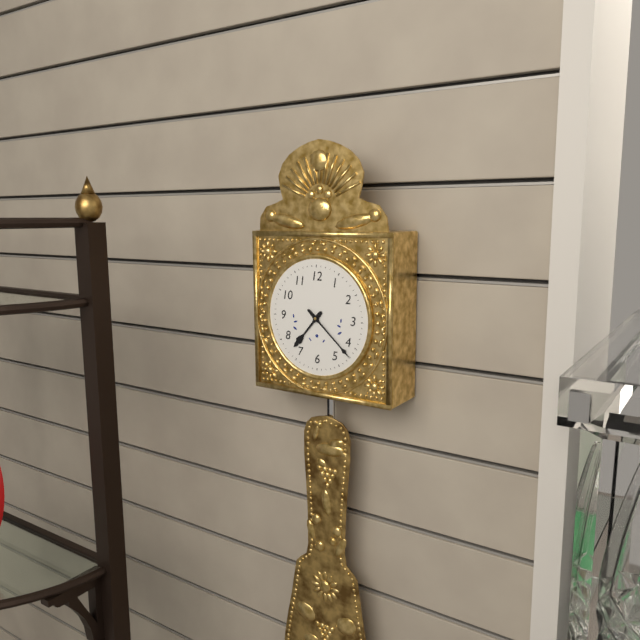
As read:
7:22
